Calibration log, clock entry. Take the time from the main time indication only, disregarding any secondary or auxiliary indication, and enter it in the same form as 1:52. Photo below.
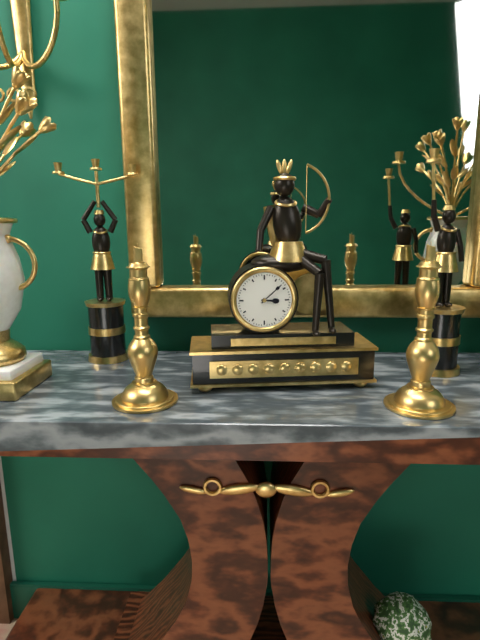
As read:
3:08
